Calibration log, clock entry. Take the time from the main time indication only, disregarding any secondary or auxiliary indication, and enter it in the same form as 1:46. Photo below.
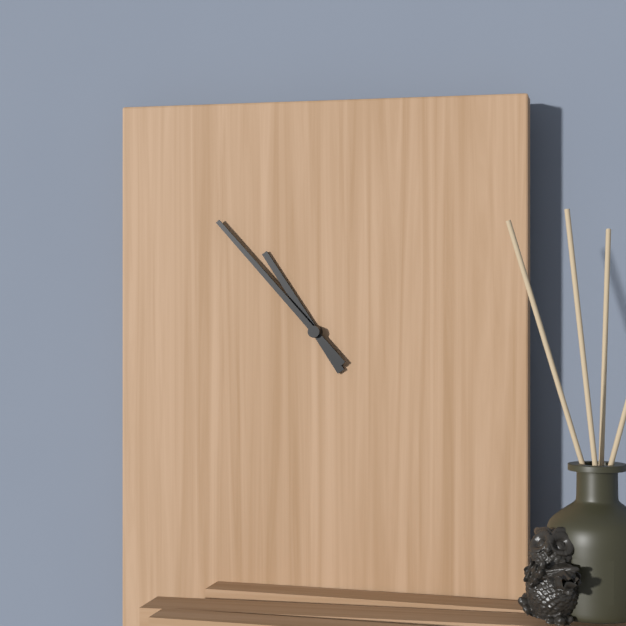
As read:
10:53
